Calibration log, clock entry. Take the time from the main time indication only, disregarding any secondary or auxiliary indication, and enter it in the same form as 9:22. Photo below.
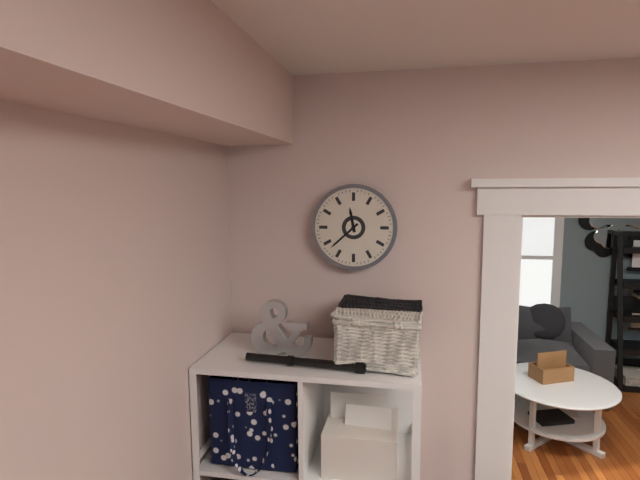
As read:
11:38
